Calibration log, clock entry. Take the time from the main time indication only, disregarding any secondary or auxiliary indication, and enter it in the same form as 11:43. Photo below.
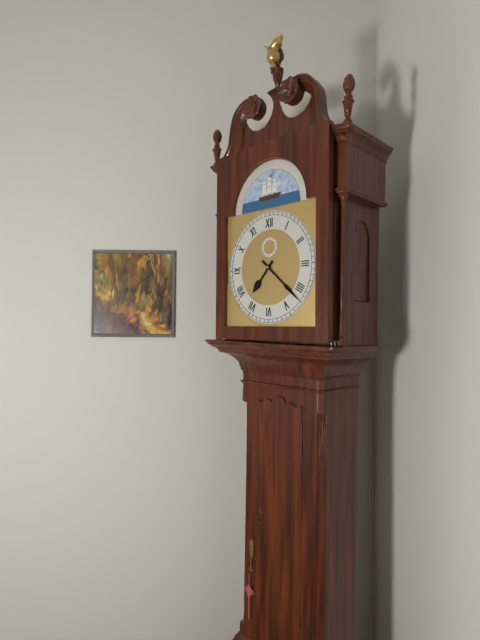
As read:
7:22
